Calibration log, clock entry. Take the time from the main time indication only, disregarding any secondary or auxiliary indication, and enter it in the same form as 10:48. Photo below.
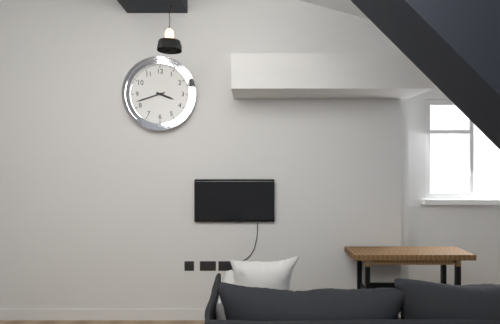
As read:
3:42
